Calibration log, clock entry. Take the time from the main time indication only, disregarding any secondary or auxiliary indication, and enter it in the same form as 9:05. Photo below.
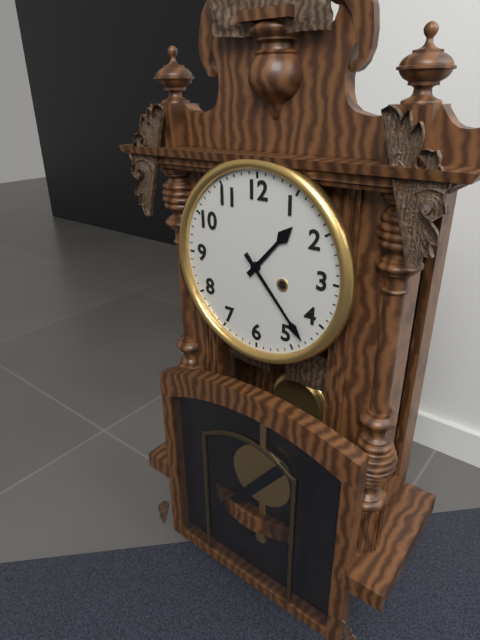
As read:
1:23
